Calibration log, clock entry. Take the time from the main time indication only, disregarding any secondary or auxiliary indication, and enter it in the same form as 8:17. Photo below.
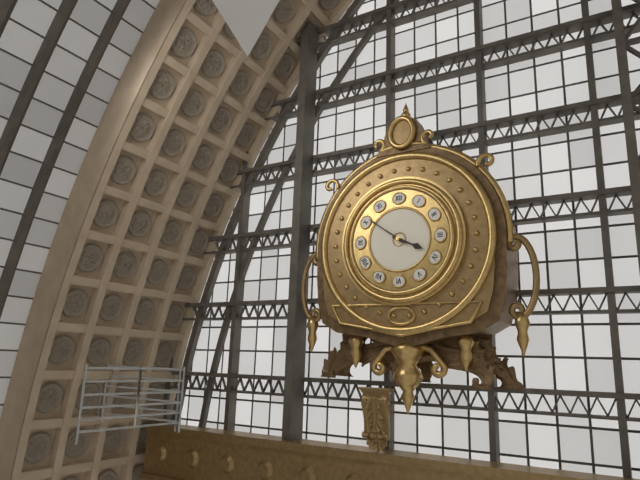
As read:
3:51
